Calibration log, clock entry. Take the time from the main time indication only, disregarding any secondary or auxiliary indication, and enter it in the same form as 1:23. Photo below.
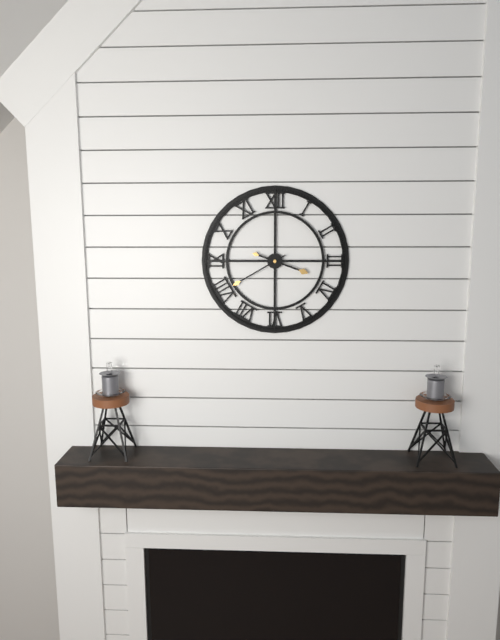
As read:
3:40
